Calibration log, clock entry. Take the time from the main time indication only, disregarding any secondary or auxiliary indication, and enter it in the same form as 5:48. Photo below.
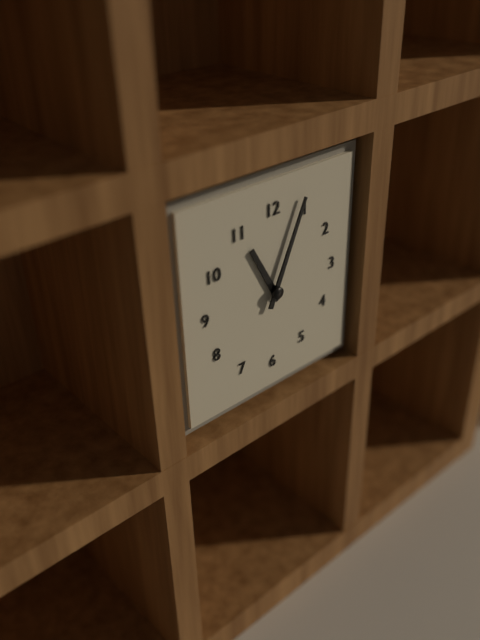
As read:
11:04
